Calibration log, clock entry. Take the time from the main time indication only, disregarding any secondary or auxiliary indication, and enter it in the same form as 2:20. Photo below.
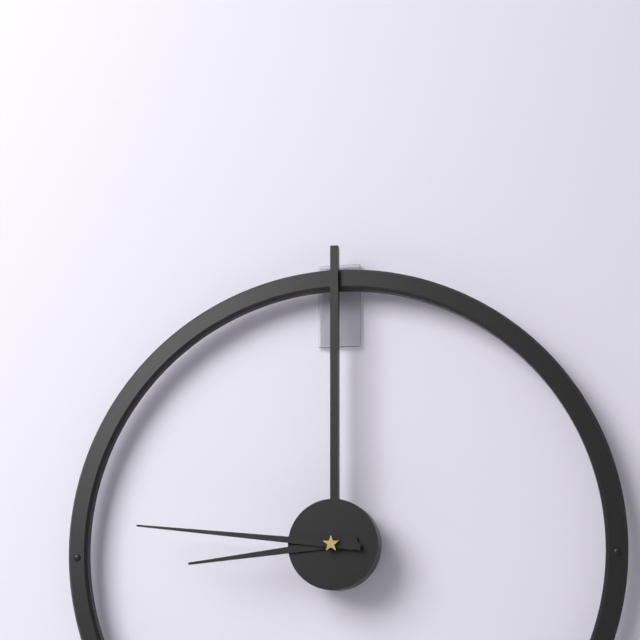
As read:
8:46
